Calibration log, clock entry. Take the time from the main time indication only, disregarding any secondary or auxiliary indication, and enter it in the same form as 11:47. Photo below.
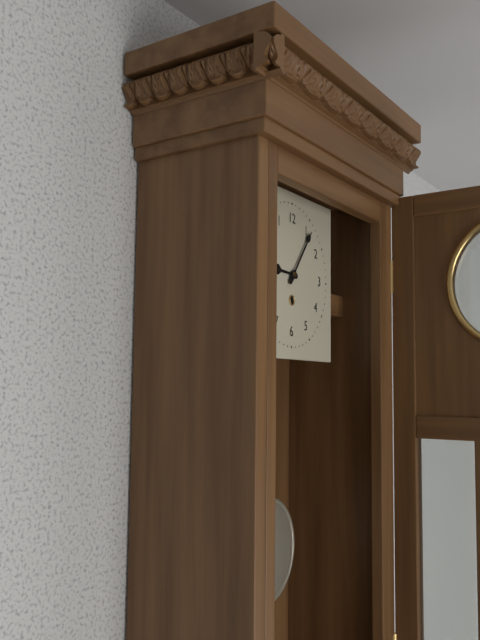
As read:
9:06
